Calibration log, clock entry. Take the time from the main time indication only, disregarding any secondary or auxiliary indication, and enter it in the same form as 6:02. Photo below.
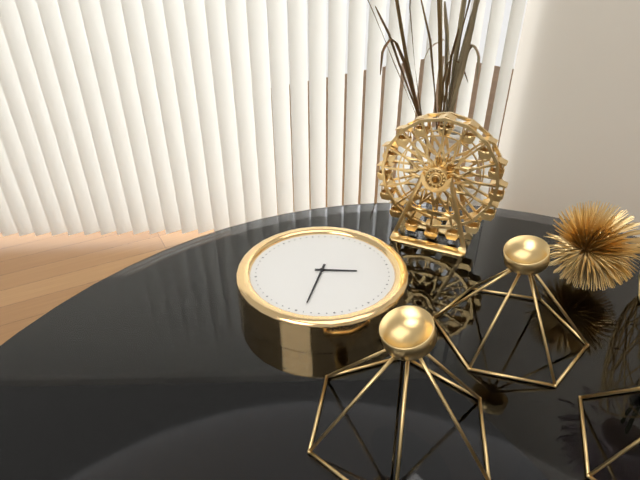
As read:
1:24
